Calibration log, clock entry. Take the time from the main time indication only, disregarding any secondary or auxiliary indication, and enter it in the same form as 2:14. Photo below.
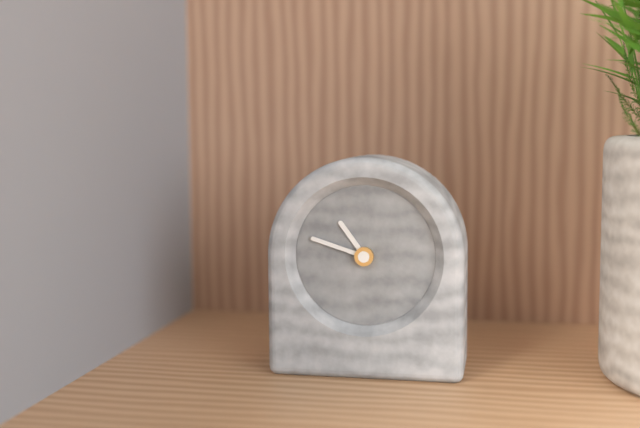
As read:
10:48
